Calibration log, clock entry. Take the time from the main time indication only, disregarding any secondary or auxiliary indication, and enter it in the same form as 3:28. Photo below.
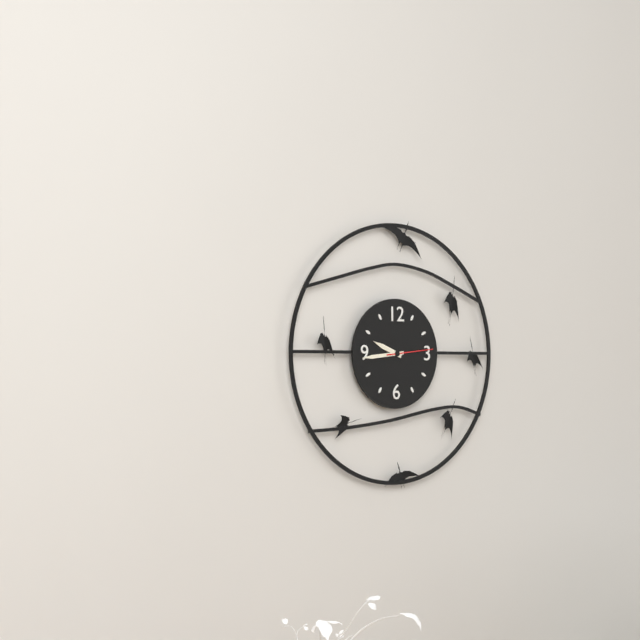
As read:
9:44
